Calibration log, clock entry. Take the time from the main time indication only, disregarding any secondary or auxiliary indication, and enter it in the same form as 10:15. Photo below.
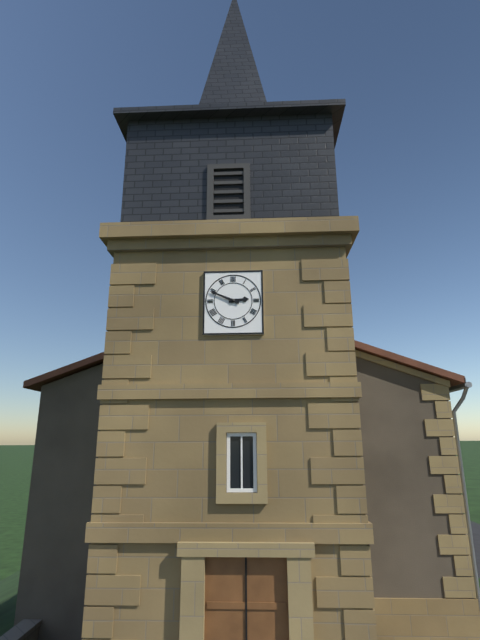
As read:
2:49
